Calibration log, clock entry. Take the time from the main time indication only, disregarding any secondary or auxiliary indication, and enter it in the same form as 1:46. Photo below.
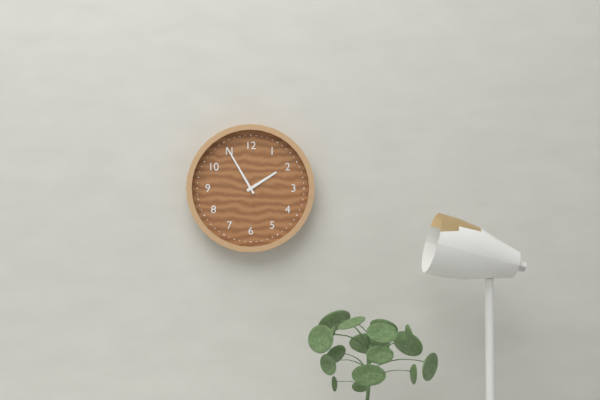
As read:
1:55
